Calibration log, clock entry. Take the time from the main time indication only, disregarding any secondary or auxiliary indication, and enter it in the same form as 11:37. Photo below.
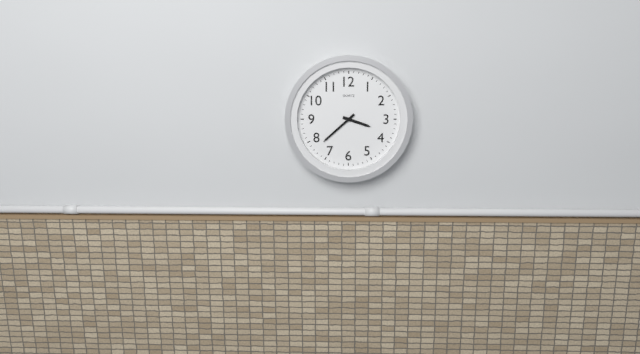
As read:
3:38
